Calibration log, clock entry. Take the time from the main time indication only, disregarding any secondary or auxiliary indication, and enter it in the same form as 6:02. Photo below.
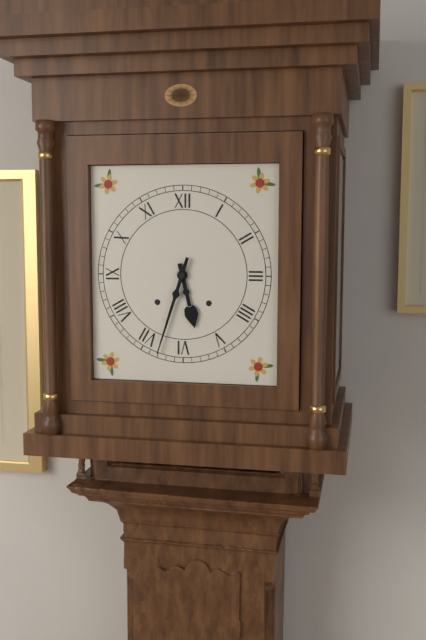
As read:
5:33
